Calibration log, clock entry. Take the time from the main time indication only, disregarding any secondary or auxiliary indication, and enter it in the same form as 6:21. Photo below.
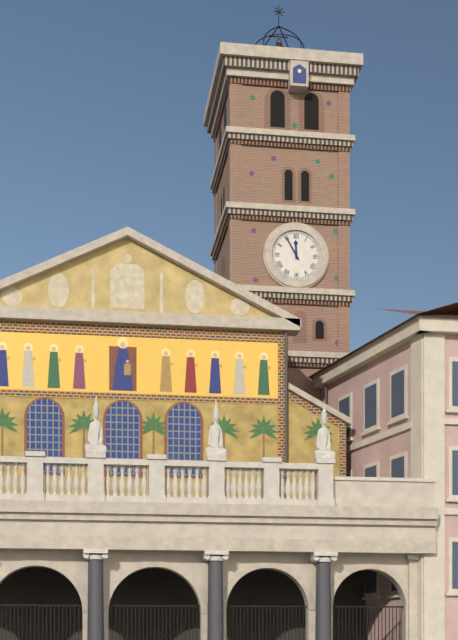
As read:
11:55
